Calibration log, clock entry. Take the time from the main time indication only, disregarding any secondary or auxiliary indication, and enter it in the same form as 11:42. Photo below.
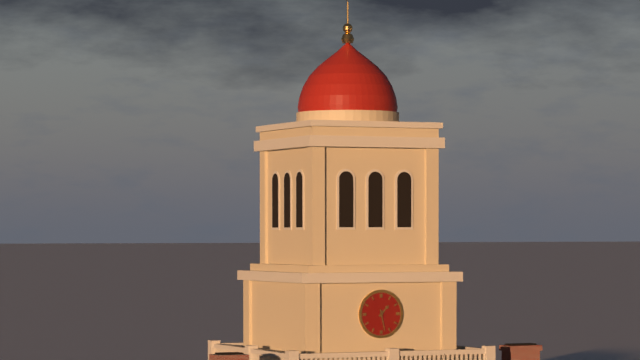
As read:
1:28
